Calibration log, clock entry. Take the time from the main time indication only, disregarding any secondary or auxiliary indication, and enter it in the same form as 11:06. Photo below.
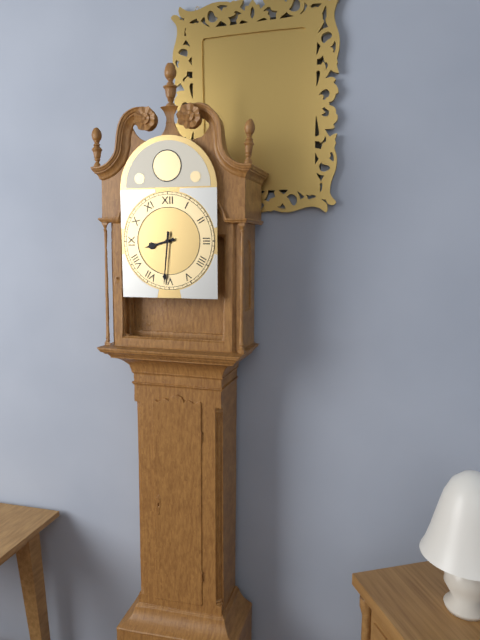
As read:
8:31
